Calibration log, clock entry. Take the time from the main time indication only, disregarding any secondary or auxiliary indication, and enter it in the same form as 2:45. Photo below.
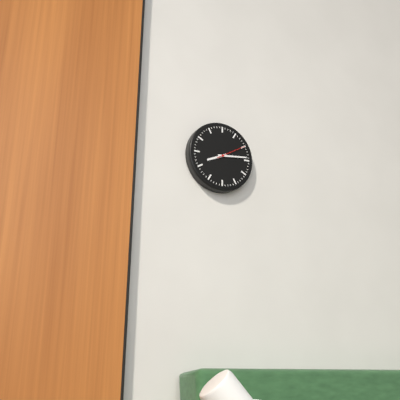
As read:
8:14
